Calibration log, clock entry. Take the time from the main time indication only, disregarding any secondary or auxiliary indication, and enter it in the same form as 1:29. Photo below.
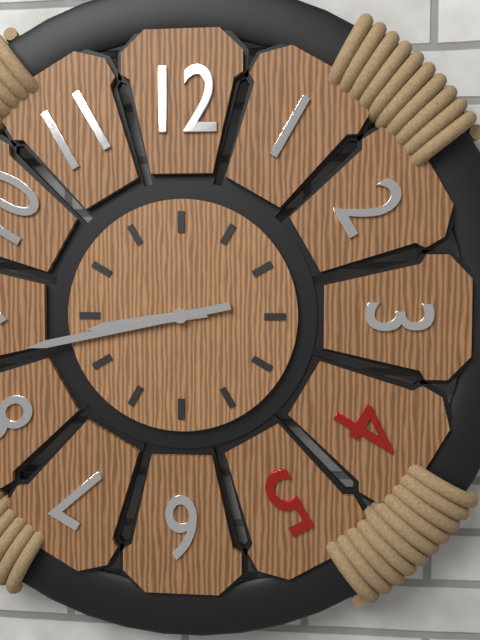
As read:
8:43
